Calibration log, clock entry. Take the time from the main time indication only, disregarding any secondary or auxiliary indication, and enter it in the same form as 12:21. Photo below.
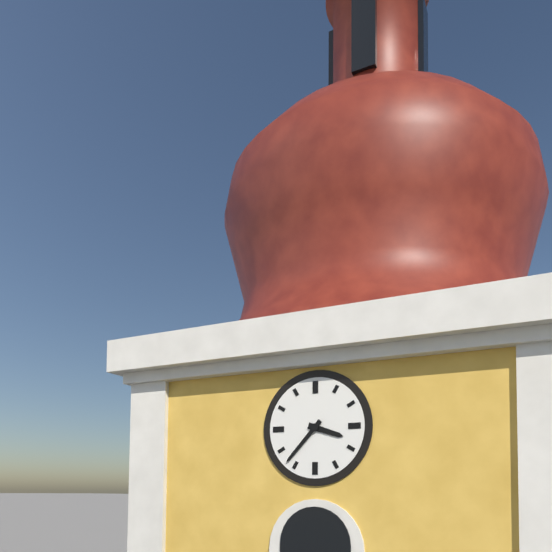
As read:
3:37
